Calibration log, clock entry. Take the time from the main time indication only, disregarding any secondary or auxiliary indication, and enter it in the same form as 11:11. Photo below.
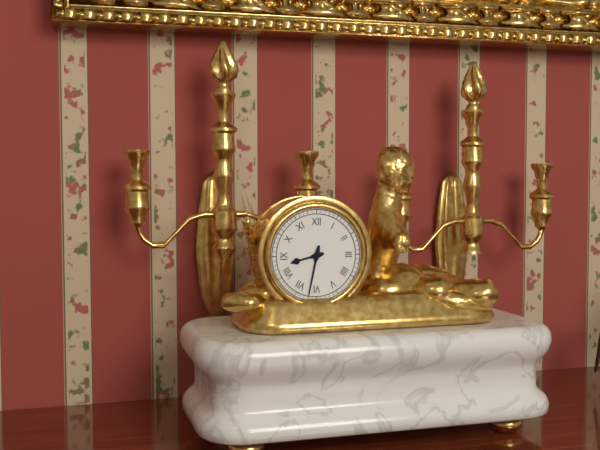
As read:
8:32
